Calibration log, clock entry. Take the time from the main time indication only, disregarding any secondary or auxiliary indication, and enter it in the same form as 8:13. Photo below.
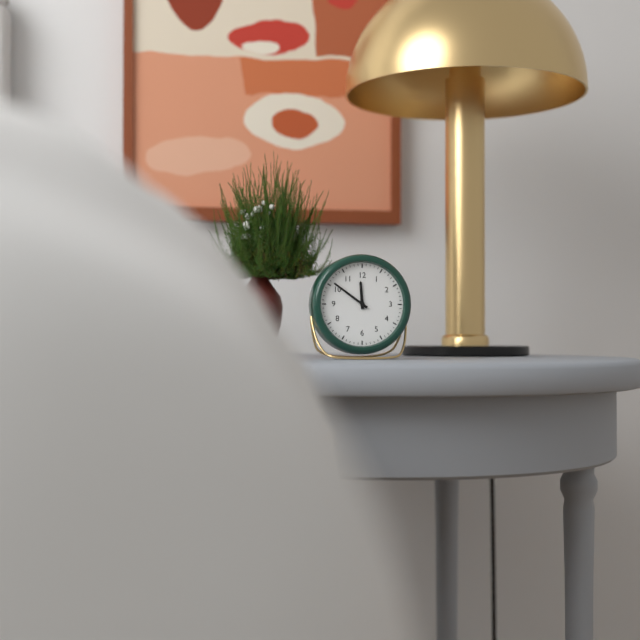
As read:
11:51
